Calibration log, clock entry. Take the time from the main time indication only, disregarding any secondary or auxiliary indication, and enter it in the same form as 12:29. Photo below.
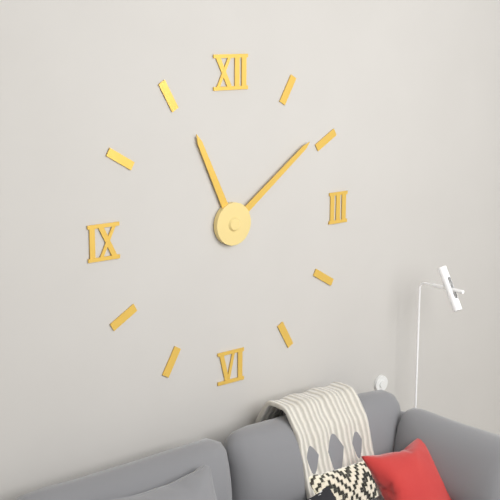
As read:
11:09
